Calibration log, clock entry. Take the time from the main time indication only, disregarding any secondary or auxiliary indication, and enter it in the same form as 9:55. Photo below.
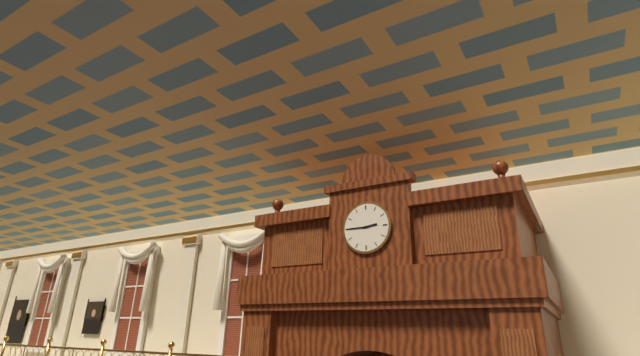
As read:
2:45
